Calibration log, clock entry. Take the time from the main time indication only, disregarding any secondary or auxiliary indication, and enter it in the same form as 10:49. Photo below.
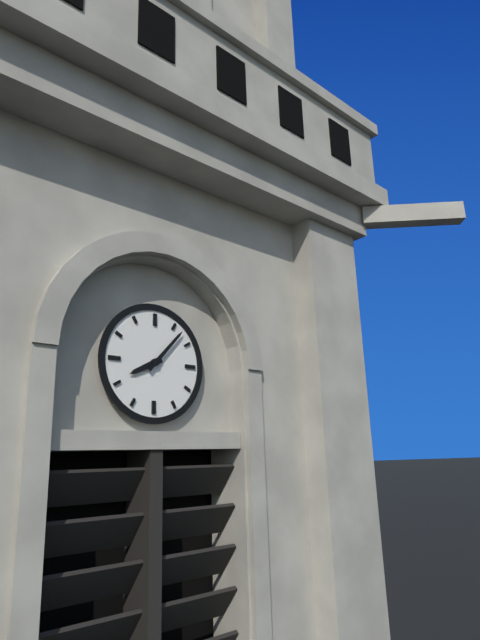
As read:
8:07
